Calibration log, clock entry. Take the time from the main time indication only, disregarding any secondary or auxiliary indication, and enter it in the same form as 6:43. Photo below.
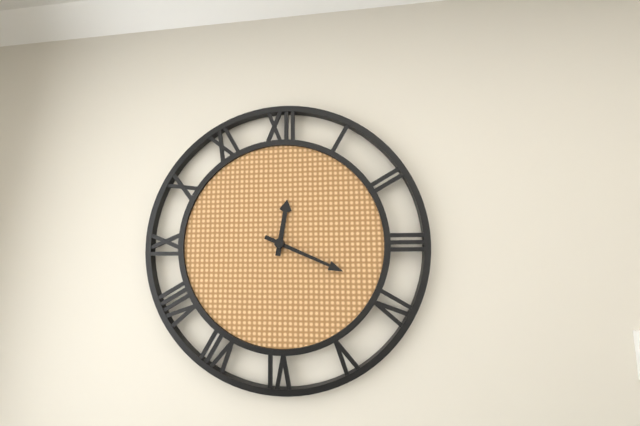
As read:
12:19
